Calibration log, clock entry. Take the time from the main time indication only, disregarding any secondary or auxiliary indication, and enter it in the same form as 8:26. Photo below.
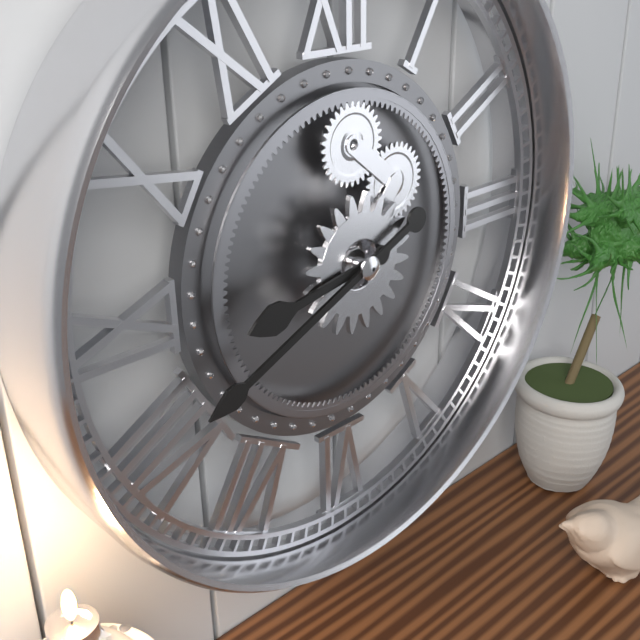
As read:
8:41
